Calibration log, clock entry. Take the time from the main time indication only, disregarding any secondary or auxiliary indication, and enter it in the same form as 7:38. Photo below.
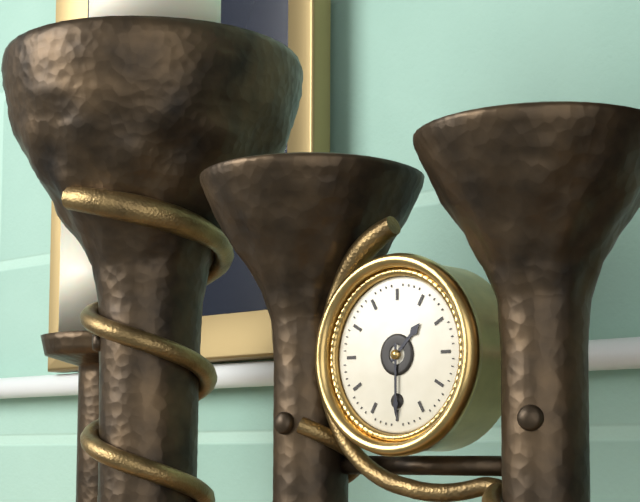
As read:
1:30
